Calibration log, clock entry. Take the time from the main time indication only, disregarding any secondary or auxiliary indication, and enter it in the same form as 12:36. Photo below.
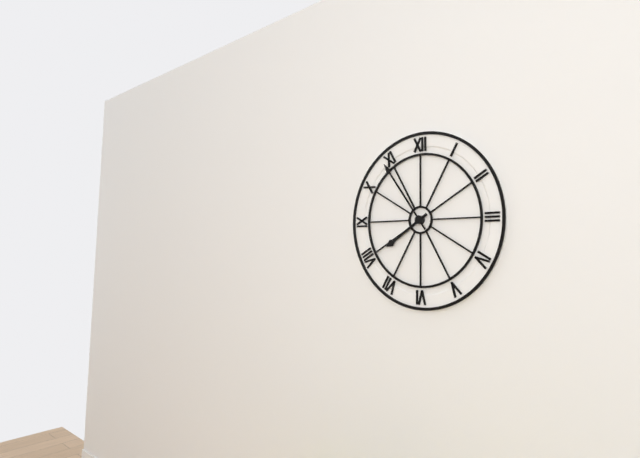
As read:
7:54
